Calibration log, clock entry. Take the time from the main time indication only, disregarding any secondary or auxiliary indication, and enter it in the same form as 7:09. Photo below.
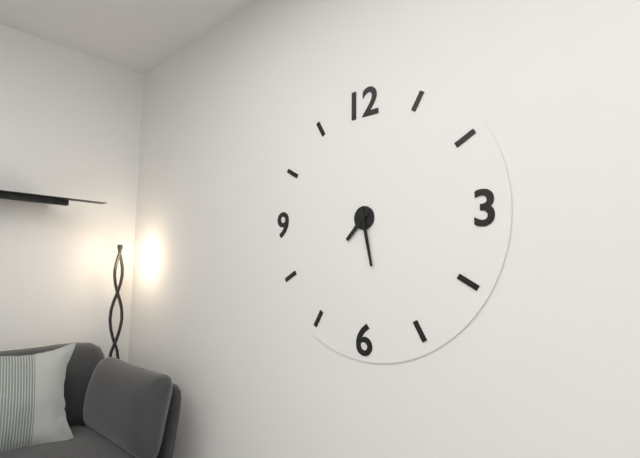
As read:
7:28
